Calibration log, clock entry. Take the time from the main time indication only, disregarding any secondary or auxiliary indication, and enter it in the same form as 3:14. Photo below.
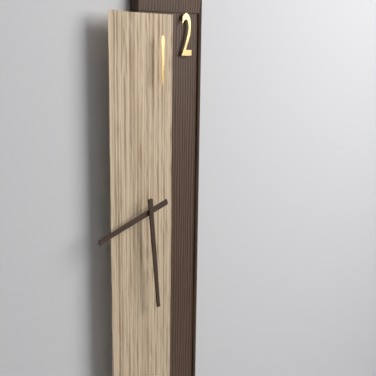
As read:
8:29
